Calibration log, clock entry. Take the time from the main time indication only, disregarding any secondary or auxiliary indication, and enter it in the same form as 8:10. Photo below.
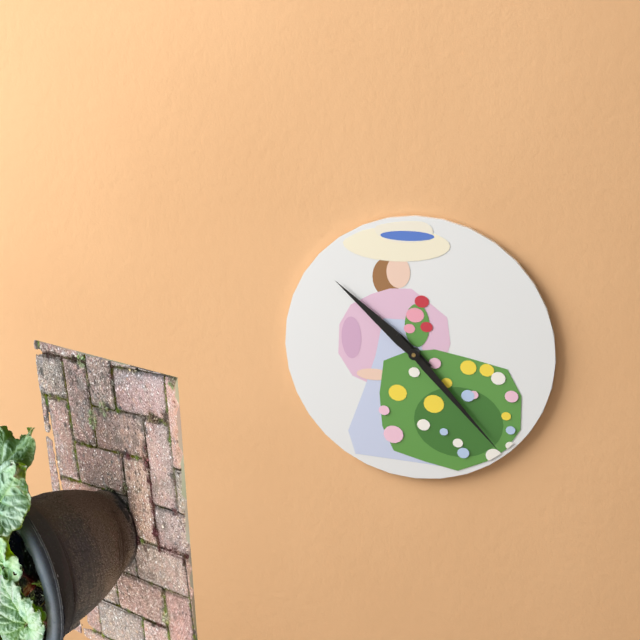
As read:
10:23
